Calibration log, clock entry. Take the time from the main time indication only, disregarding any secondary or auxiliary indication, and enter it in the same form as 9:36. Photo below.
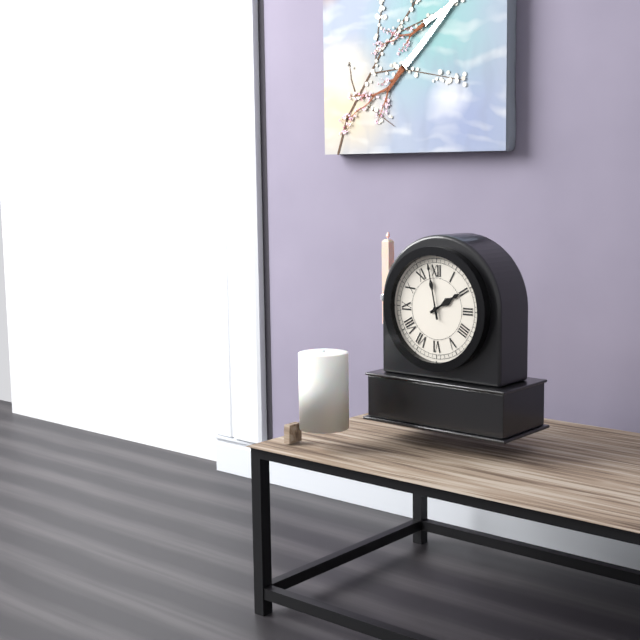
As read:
1:58
